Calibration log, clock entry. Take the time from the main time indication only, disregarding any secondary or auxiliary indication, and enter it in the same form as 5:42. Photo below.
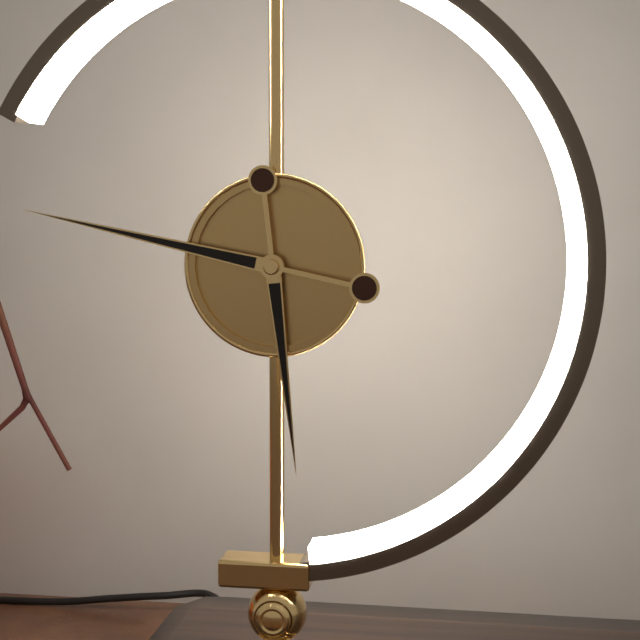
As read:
5:47
